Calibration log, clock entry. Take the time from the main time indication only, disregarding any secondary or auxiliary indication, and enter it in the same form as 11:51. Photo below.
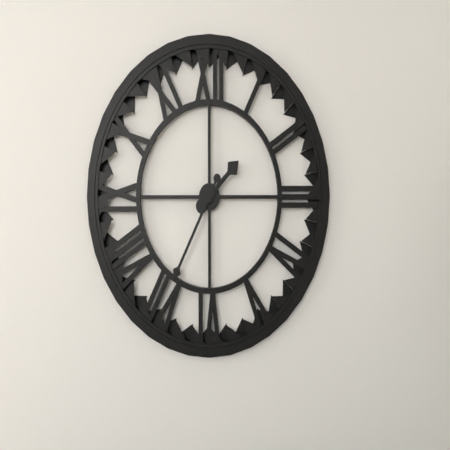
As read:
1:35
